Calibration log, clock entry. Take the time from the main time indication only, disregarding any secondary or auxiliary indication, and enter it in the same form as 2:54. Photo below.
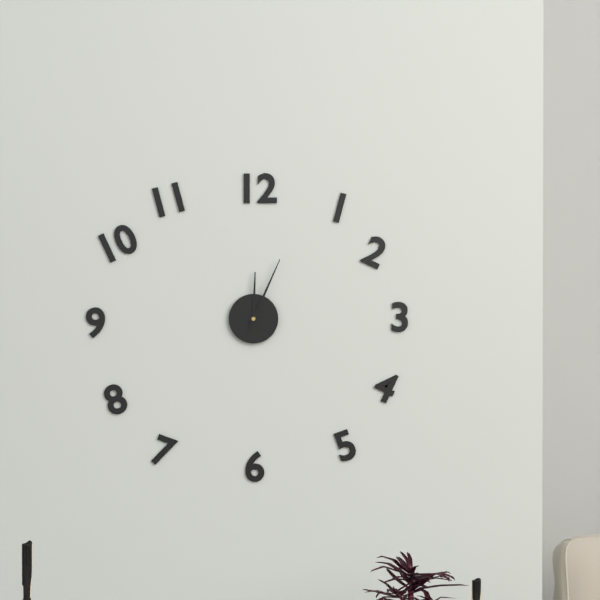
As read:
12:04
